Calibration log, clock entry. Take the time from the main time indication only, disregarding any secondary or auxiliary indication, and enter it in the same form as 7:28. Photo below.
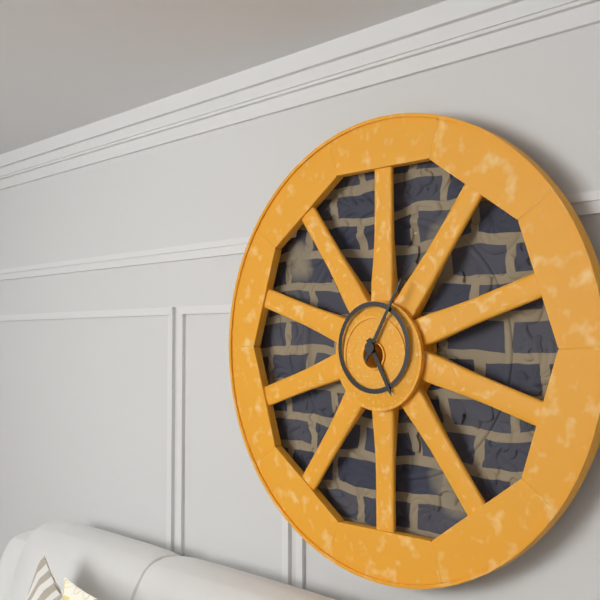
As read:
5:05
